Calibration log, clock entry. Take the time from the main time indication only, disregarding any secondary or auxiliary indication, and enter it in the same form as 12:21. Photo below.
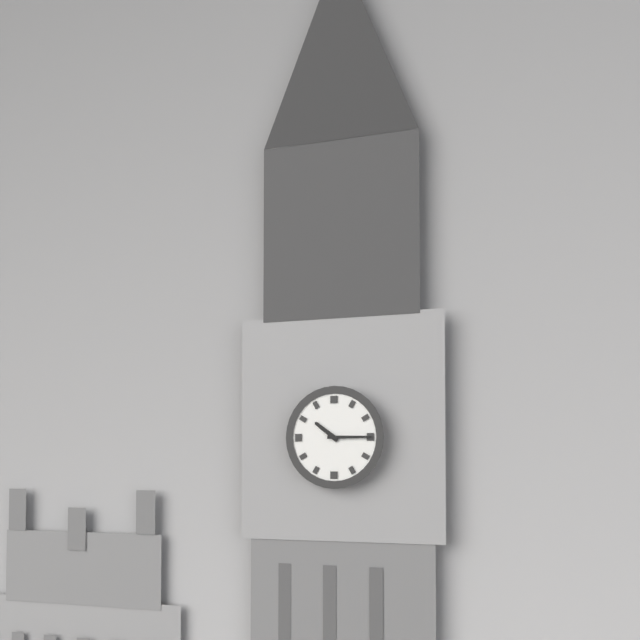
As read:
10:15
